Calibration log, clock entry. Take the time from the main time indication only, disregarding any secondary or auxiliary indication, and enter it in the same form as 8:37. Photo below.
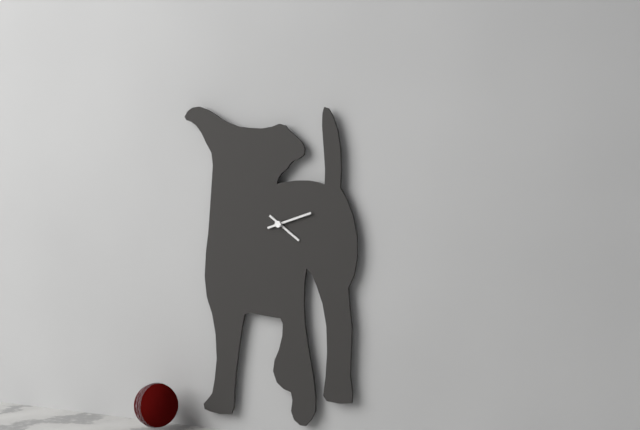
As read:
4:12
